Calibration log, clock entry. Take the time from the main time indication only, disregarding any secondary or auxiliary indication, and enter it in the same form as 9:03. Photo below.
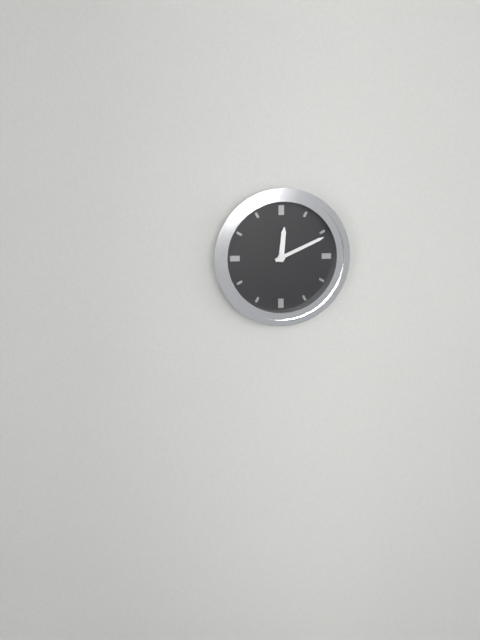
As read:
12:11
